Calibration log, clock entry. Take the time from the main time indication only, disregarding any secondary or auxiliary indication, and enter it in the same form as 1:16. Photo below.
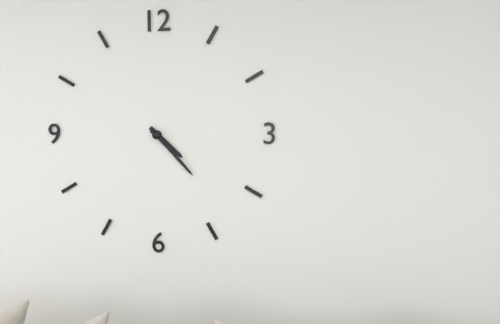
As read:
4:23
